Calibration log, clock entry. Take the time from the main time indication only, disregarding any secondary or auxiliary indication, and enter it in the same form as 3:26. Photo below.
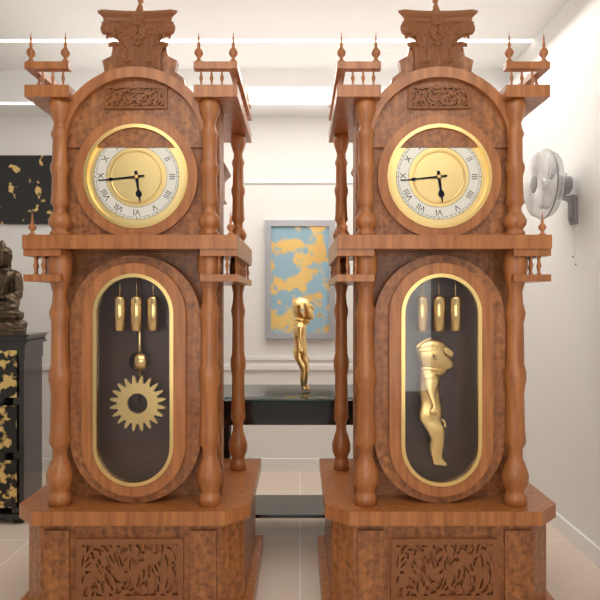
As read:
5:44
